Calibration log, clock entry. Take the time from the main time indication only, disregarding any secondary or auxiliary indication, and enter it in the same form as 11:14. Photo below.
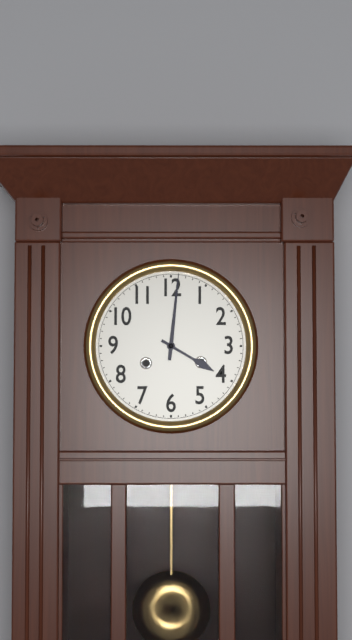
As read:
4:01
